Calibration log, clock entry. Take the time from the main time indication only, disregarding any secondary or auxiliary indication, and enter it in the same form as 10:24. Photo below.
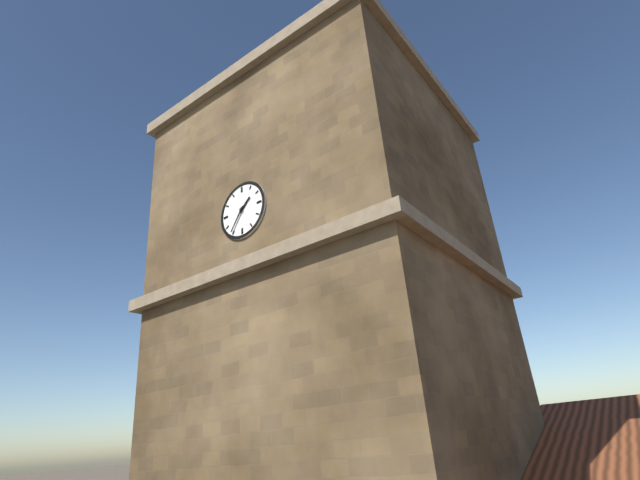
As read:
1:36
